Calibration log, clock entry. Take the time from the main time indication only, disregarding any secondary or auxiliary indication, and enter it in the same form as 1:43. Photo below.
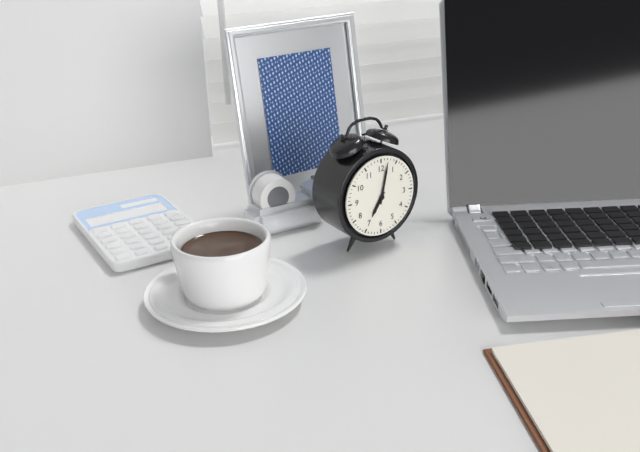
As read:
7:02
